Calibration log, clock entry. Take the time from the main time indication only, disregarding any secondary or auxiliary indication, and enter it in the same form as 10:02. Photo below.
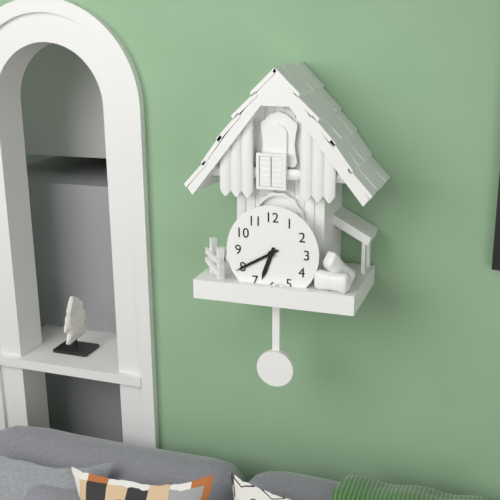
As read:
6:40
